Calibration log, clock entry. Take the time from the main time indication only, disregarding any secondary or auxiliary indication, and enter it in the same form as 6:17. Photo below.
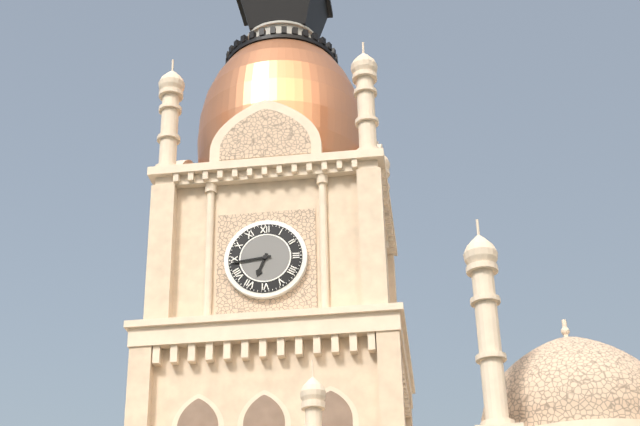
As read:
6:44
